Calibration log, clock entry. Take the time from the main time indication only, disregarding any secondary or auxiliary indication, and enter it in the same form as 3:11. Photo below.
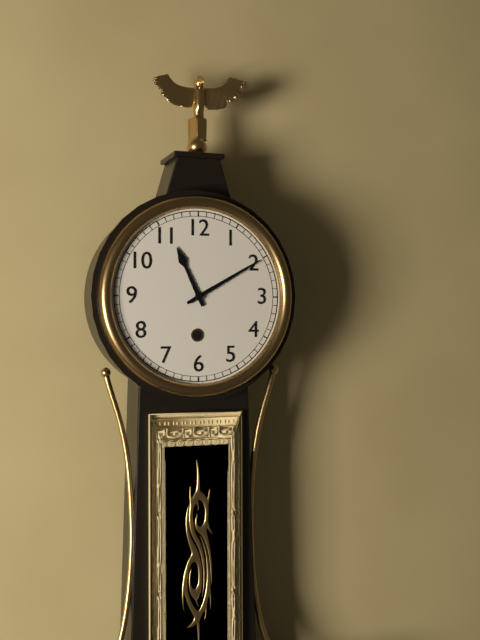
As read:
11:10
